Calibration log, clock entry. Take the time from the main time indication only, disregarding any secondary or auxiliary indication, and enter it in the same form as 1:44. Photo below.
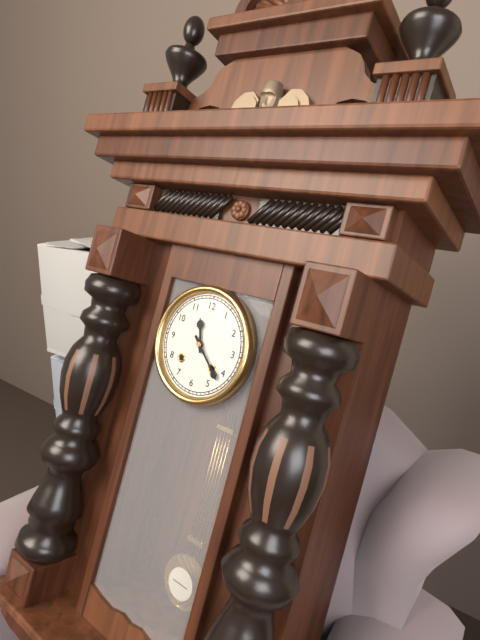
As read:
11:22
